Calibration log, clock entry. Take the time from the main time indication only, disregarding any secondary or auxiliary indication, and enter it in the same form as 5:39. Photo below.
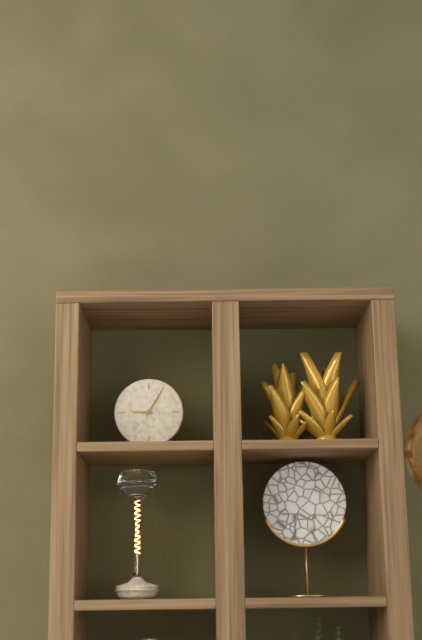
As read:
9:05
